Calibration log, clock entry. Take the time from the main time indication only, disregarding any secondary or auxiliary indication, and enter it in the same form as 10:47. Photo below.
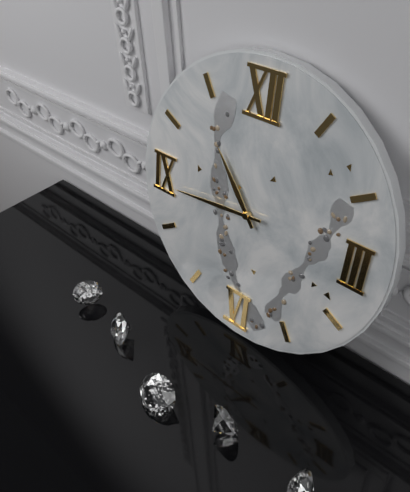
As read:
10:44
